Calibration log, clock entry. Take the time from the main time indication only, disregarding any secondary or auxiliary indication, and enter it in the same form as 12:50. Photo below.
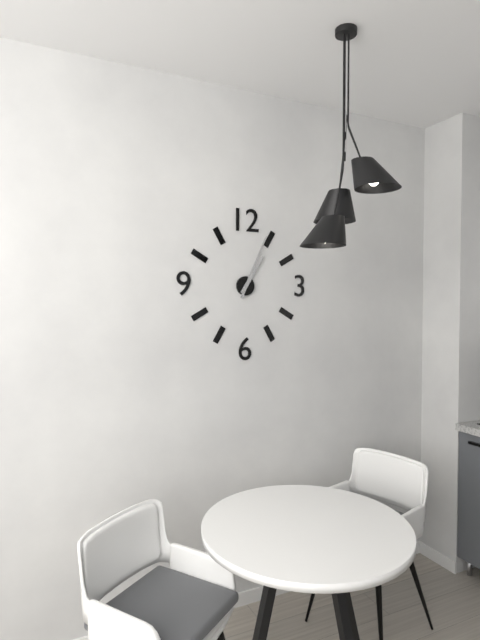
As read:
1:04
